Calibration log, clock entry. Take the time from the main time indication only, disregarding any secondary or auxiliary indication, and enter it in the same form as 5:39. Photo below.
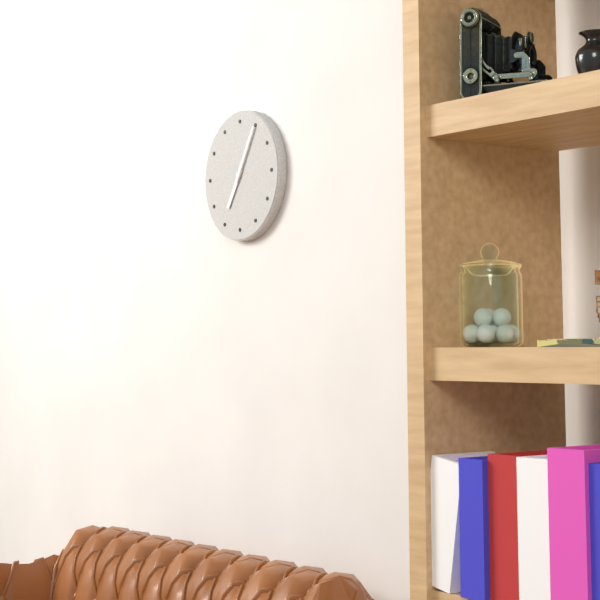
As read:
7:05
